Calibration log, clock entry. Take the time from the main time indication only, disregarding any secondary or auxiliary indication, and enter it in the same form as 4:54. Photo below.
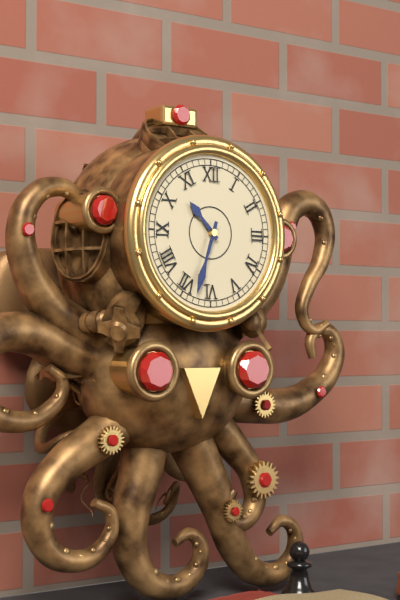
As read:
10:33
